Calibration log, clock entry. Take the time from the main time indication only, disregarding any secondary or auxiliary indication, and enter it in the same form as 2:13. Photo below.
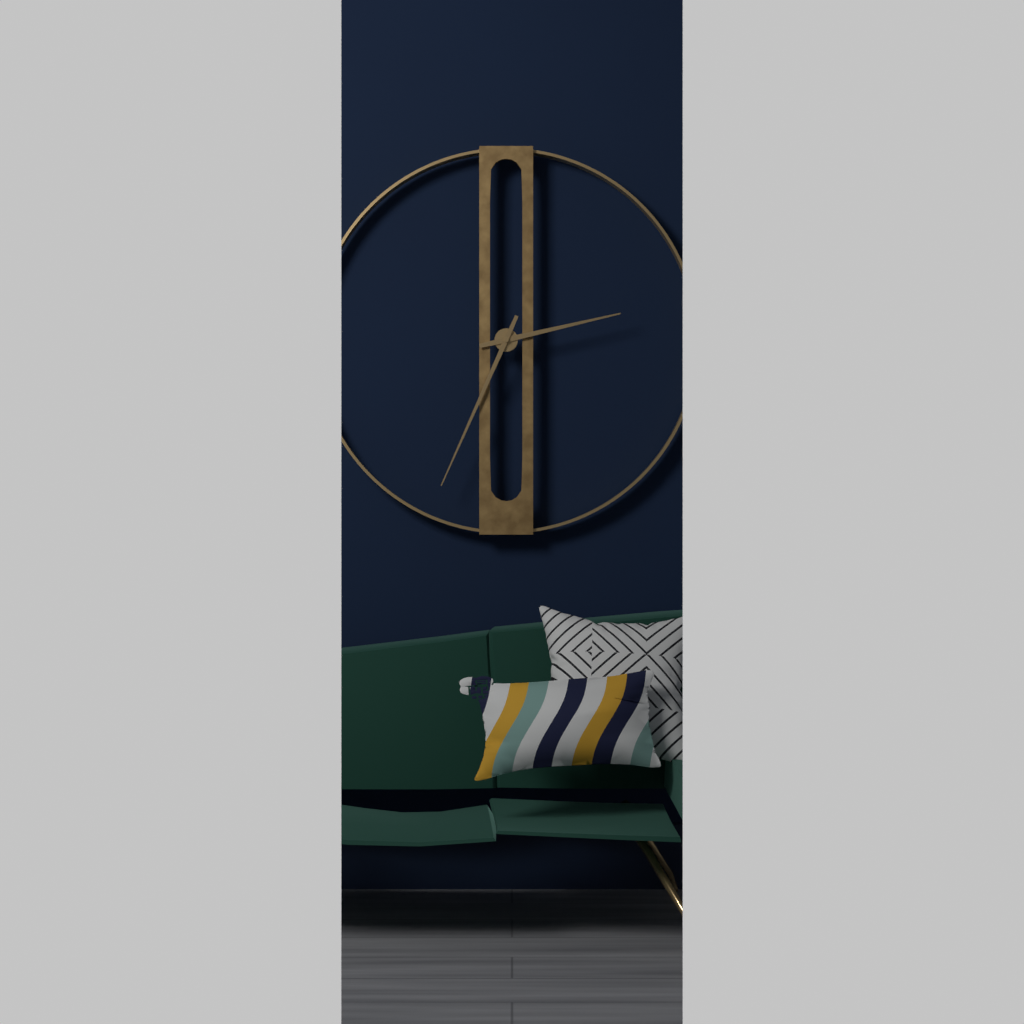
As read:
2:34
